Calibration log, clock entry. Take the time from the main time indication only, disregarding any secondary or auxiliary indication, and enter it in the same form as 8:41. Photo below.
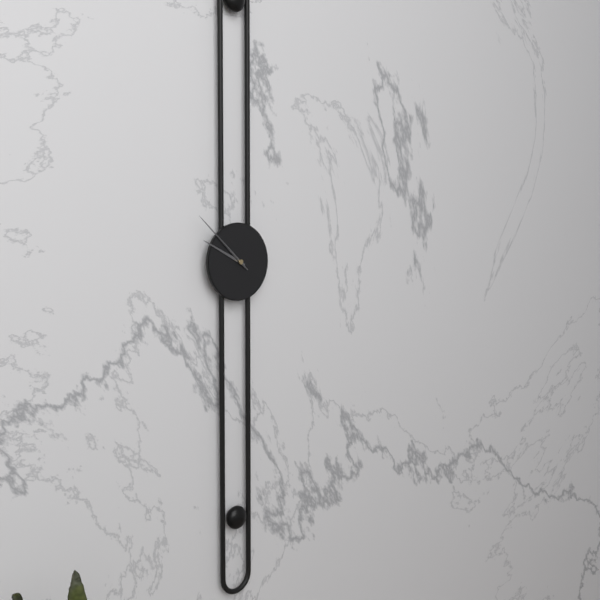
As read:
9:52
